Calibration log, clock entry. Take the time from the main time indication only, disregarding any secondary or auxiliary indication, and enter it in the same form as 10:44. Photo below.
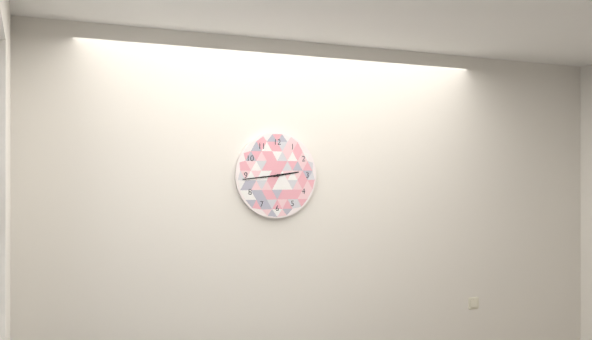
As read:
2:44
